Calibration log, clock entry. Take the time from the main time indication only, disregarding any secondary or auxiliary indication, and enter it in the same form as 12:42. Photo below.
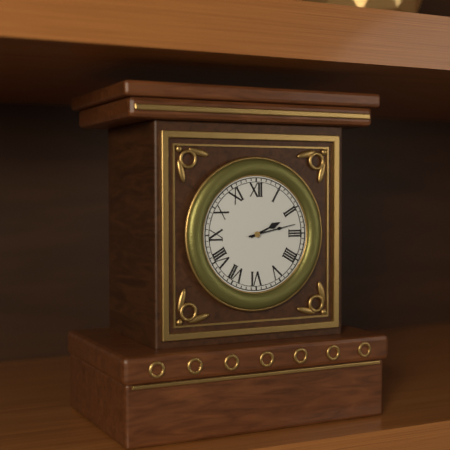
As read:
2:13
